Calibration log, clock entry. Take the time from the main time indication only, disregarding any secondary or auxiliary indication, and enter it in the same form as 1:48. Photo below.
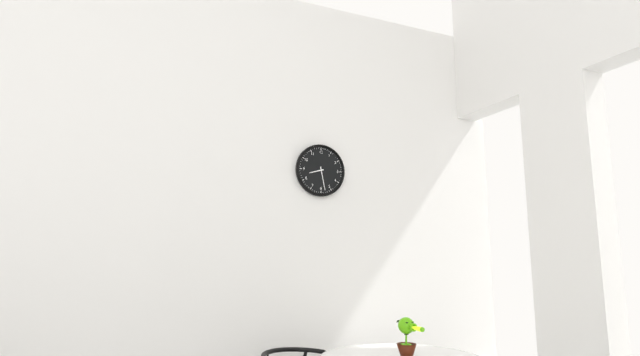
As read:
8:28
